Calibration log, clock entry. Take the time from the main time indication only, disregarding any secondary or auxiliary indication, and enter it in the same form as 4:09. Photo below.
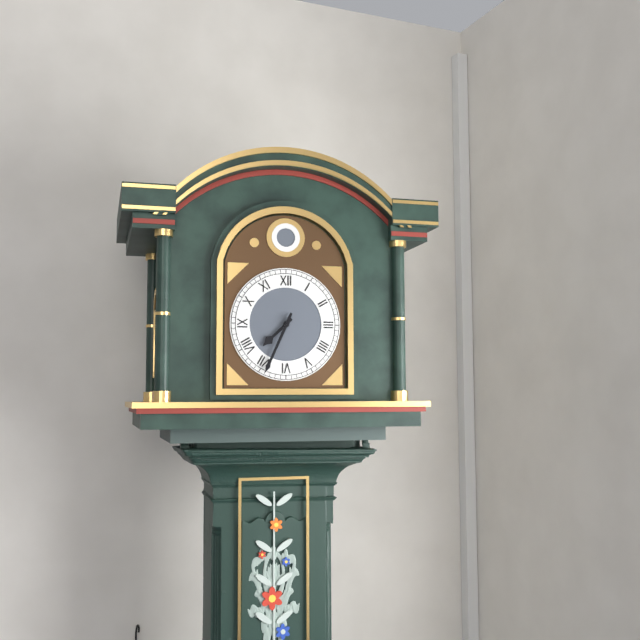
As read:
7:34
